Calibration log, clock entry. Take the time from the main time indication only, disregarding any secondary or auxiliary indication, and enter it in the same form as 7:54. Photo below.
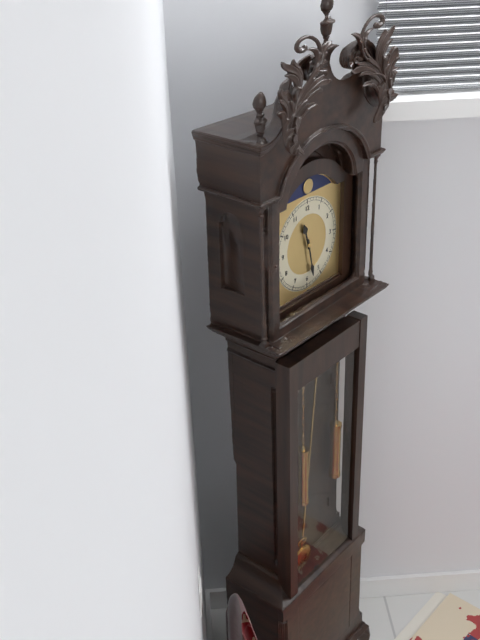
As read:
11:28
